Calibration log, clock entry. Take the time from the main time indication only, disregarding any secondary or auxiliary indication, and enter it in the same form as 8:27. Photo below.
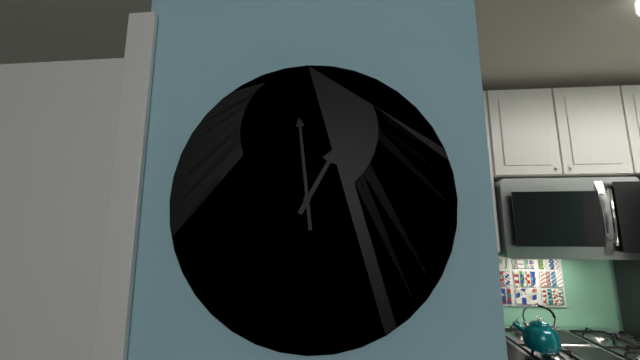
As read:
12:59
